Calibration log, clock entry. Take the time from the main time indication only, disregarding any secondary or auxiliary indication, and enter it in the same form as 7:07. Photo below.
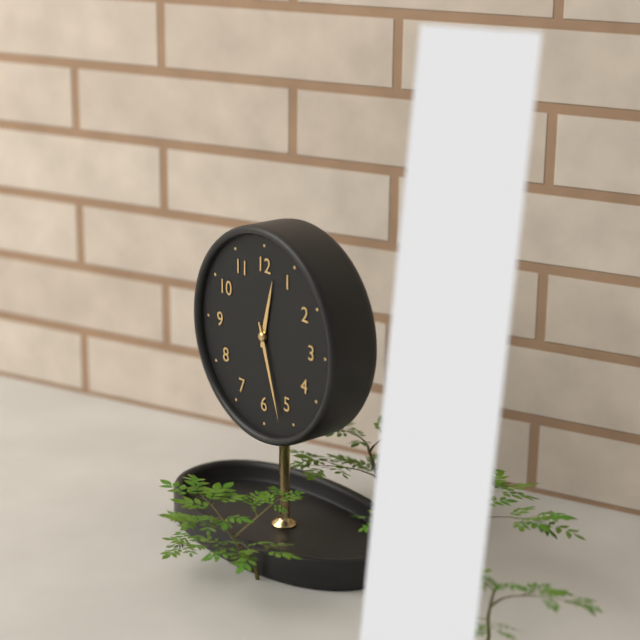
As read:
12:27
